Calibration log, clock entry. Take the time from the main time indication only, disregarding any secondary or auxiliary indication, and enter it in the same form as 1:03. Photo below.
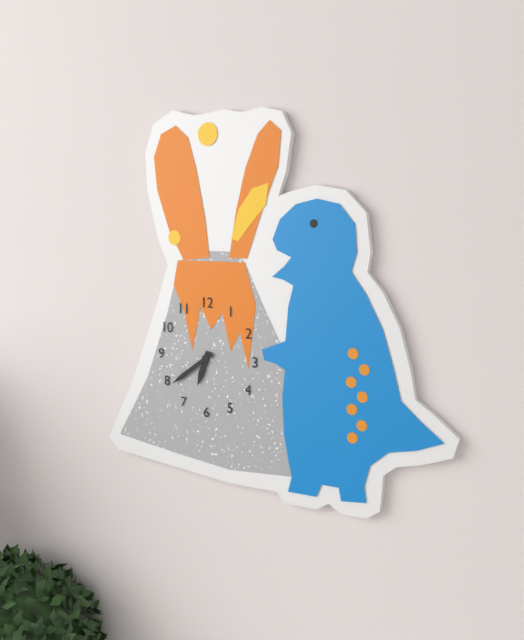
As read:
6:39
